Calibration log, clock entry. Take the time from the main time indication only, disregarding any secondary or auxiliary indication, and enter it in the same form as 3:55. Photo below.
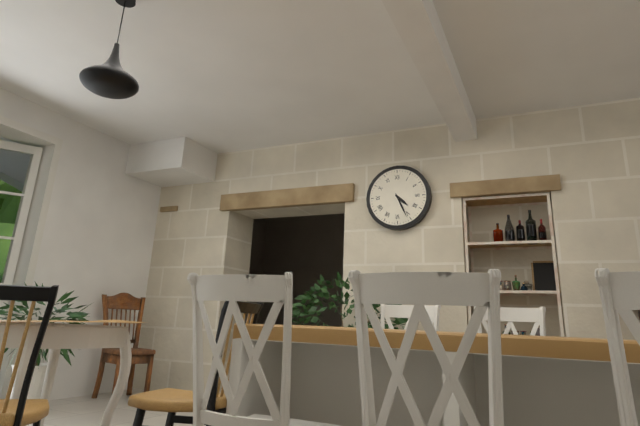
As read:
4:26
